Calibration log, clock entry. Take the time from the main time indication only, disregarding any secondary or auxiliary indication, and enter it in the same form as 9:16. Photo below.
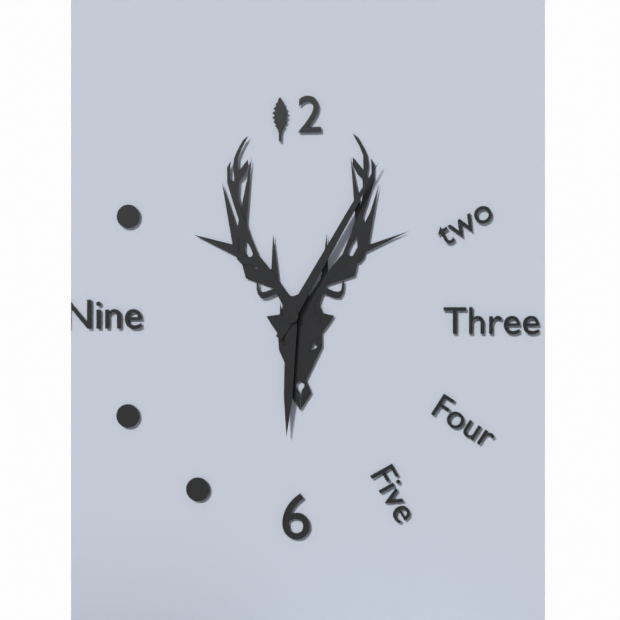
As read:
6:05
